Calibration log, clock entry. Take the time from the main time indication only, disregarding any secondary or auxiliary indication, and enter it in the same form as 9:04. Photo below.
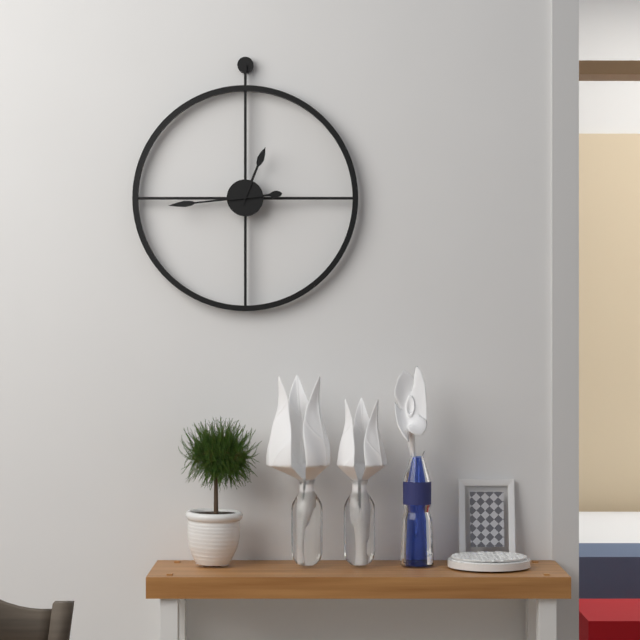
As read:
12:44
